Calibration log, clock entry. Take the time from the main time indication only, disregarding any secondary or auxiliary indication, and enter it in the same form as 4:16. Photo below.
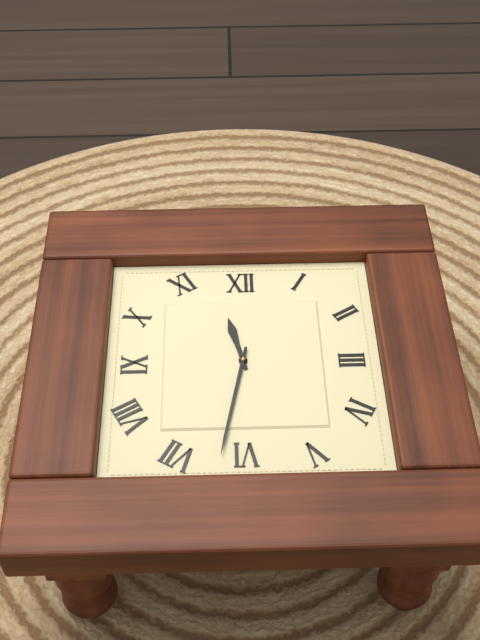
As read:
11:32
